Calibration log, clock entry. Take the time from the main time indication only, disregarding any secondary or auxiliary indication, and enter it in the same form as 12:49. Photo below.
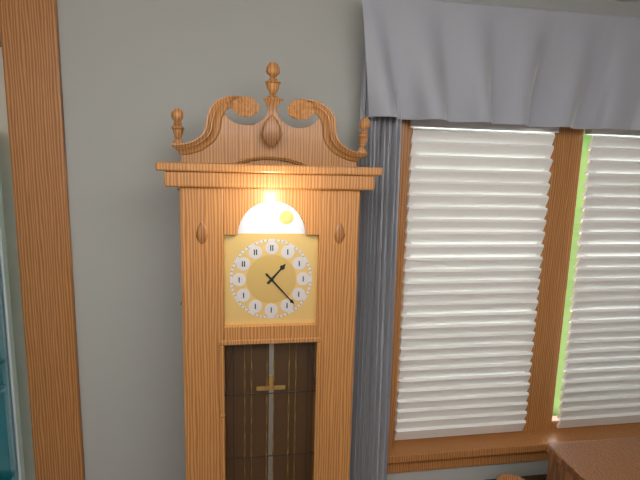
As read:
1:23
